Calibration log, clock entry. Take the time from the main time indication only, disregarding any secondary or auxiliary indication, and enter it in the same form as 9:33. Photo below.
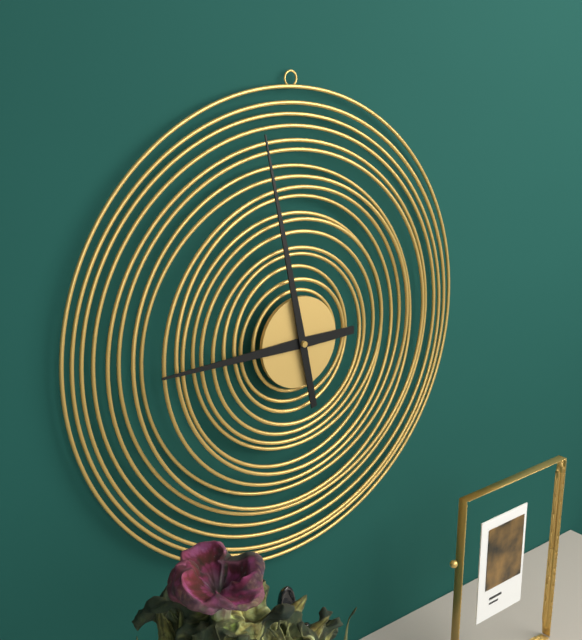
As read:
8:58
